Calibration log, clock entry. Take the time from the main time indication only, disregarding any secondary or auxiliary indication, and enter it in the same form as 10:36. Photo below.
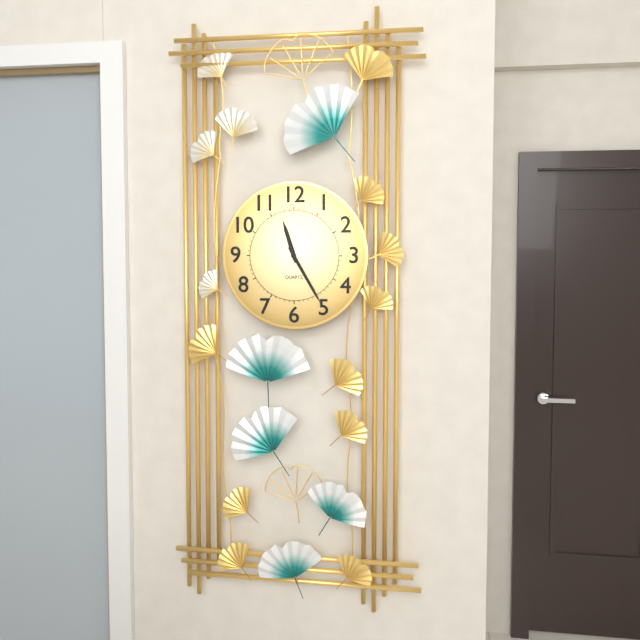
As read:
11:25
